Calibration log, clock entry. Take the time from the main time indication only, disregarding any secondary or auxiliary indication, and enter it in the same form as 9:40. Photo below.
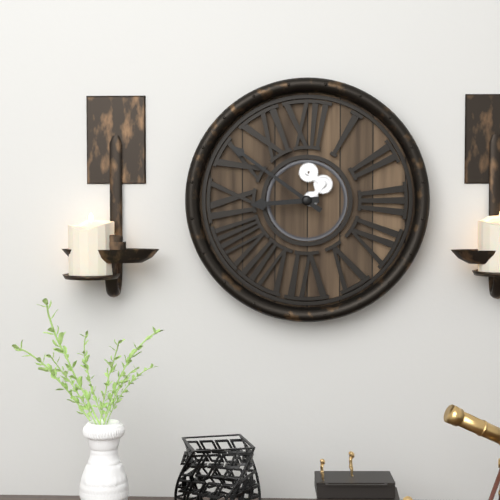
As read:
8:51
